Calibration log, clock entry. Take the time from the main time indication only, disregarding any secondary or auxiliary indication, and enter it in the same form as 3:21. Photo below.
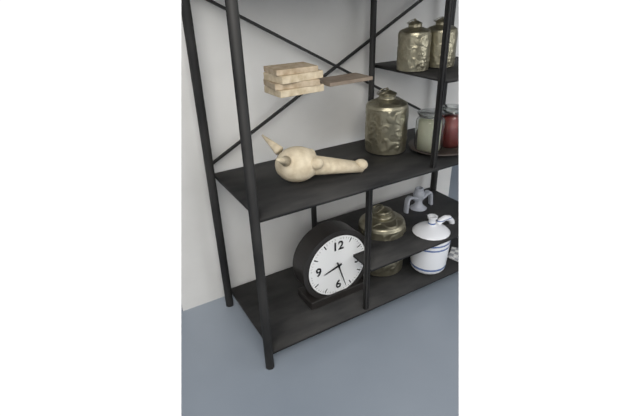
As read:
8:27
